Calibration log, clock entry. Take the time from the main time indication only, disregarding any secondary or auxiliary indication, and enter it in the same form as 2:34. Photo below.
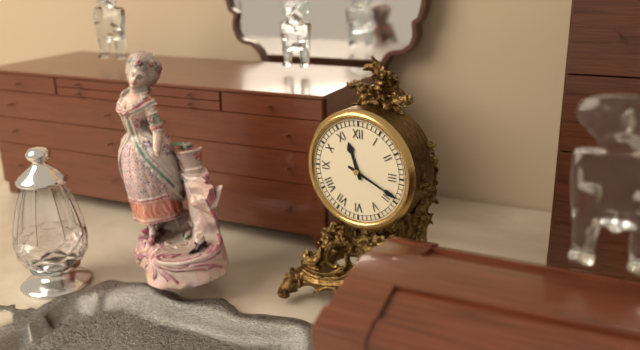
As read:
11:19
